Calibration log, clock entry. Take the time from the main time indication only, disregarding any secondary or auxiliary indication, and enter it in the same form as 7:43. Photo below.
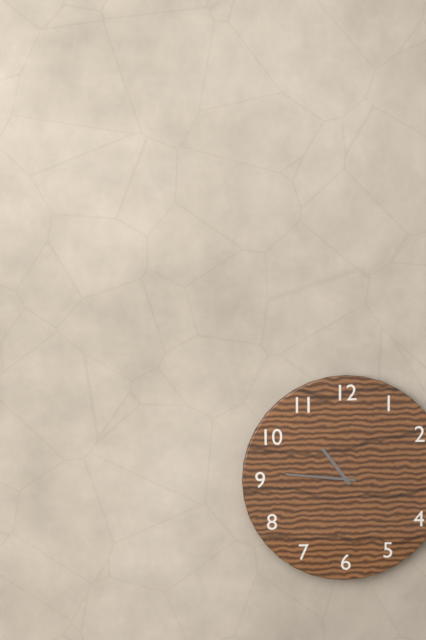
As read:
10:46
